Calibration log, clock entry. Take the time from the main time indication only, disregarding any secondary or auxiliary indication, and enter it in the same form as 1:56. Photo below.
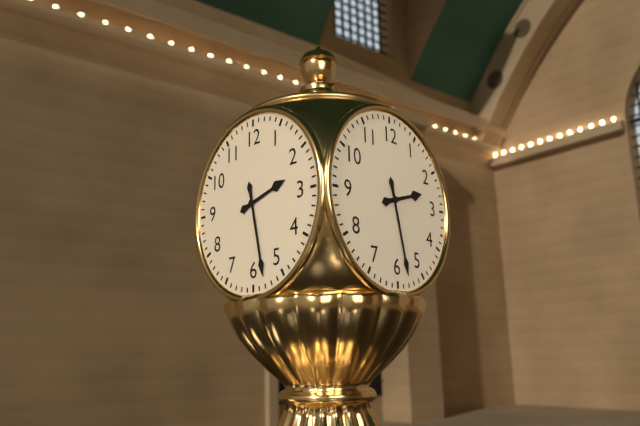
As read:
2:28
